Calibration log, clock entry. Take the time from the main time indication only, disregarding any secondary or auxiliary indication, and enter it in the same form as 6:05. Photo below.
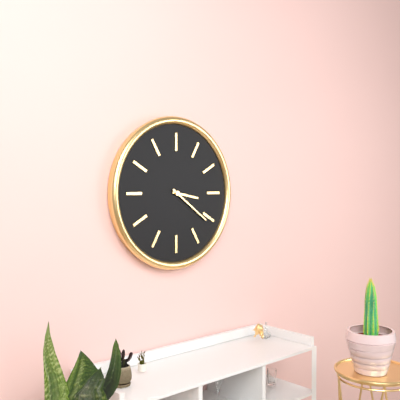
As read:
3:21
